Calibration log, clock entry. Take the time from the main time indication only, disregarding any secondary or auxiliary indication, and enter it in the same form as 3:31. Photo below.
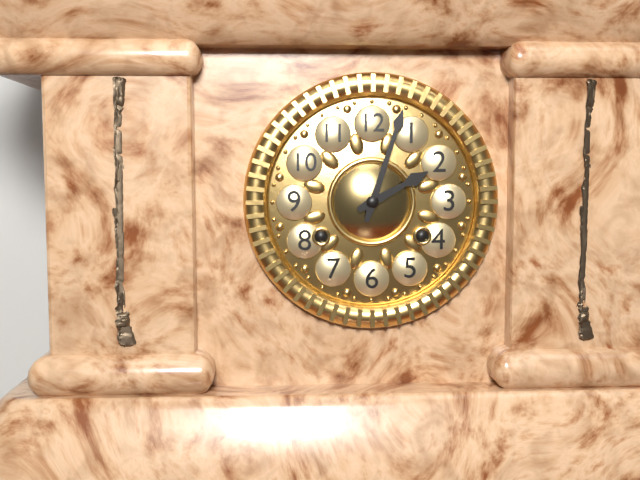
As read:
2:03
